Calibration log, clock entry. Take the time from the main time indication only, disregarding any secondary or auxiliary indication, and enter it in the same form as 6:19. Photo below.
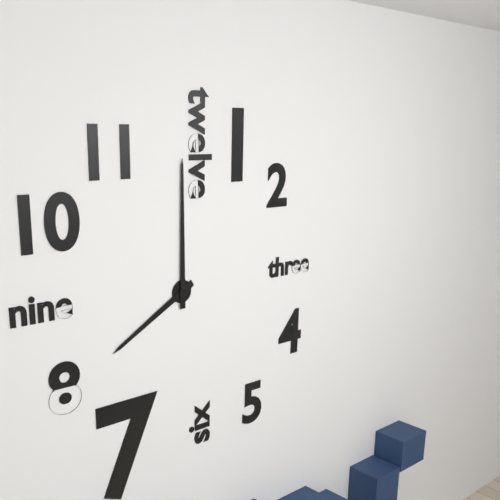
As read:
8:00
